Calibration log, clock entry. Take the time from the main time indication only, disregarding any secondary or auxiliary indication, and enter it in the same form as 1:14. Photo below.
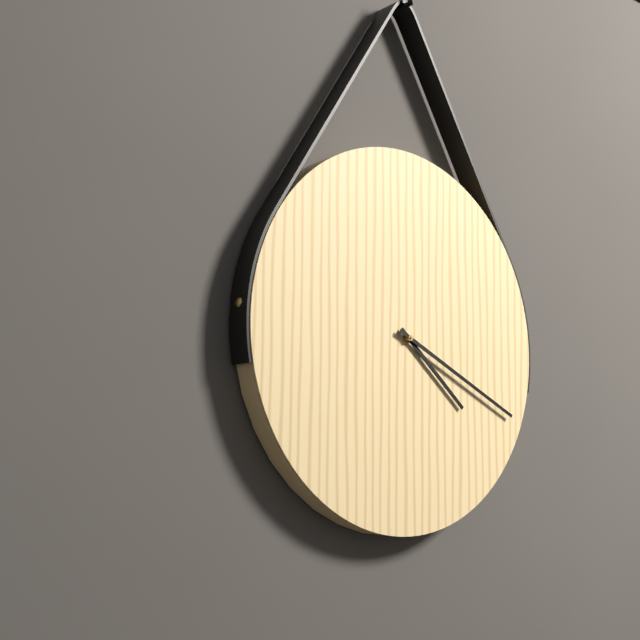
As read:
4:19
